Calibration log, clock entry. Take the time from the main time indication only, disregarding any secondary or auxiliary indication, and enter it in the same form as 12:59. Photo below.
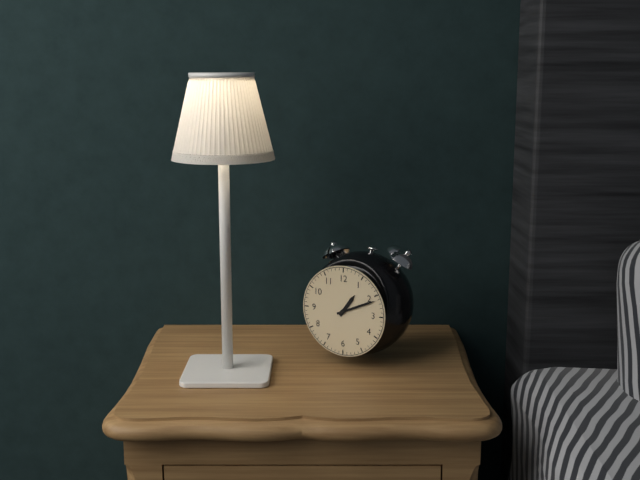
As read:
1:11
